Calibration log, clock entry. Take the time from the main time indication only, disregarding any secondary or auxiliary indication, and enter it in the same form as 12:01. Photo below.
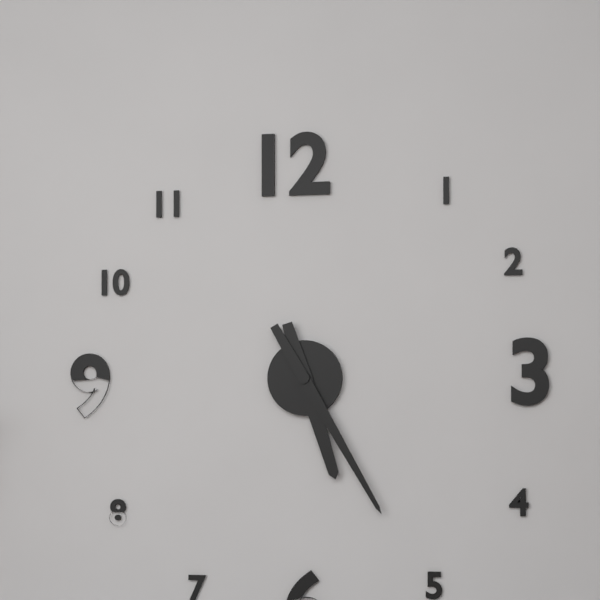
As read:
5:25
